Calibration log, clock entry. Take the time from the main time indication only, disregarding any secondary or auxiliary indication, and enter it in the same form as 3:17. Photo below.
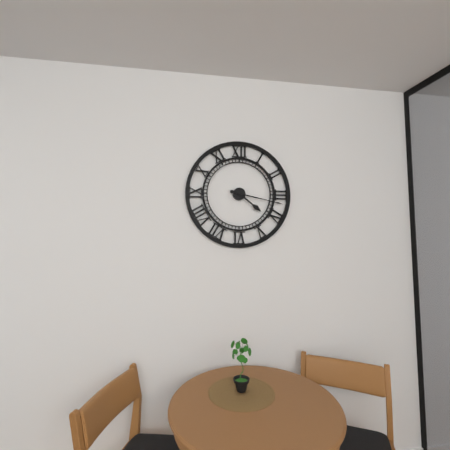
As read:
4:17
